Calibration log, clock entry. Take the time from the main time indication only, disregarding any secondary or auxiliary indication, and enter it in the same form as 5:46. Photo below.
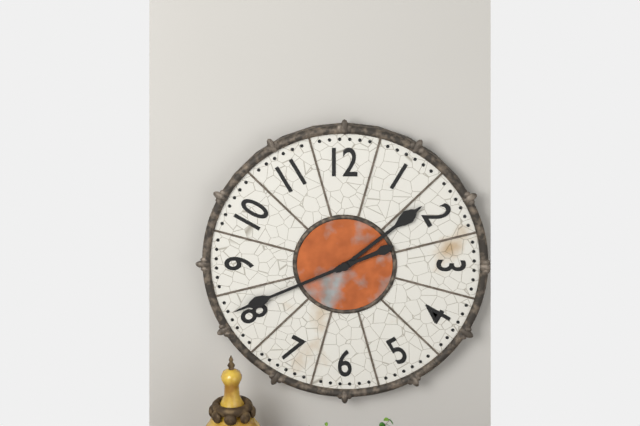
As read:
1:41
